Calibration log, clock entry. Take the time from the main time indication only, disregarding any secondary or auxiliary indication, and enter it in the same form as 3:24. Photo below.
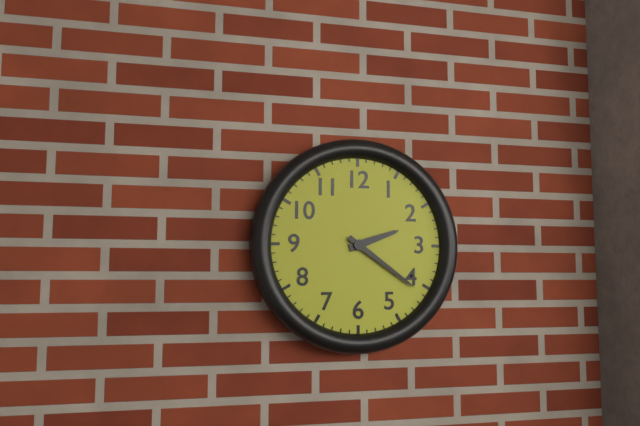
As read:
2:21
